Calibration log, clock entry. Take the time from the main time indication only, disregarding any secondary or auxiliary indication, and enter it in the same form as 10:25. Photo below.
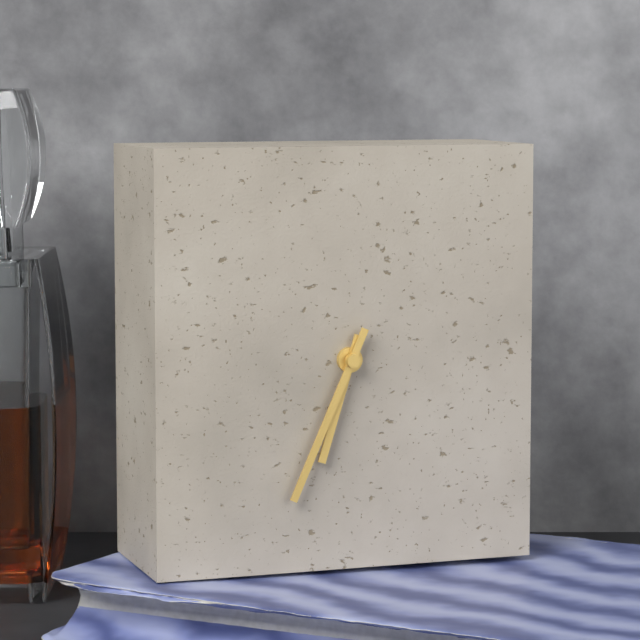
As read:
6:34
